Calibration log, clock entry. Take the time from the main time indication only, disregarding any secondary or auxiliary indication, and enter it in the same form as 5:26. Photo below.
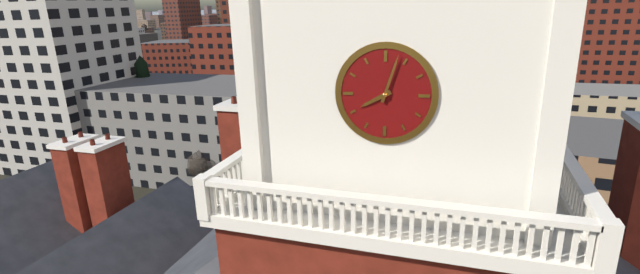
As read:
8:03
